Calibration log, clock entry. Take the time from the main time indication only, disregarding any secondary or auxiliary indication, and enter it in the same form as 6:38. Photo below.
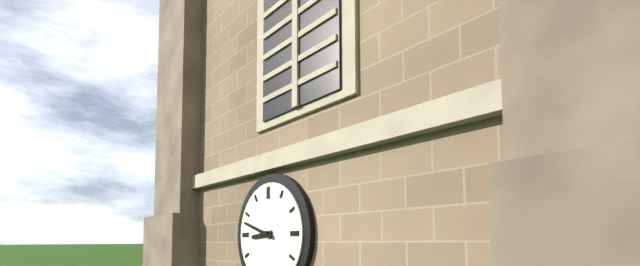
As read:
8:48
